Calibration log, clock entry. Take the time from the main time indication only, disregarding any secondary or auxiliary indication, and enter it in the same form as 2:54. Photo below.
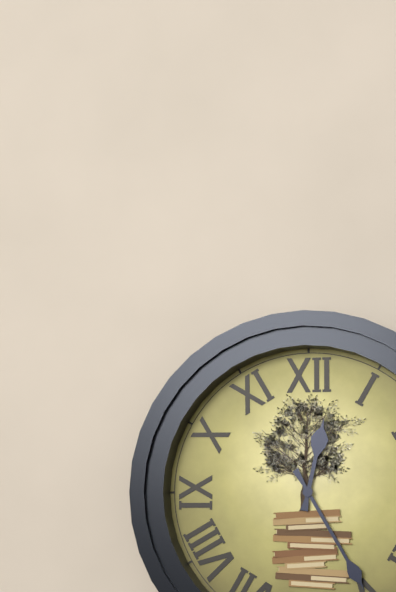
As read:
12:25
